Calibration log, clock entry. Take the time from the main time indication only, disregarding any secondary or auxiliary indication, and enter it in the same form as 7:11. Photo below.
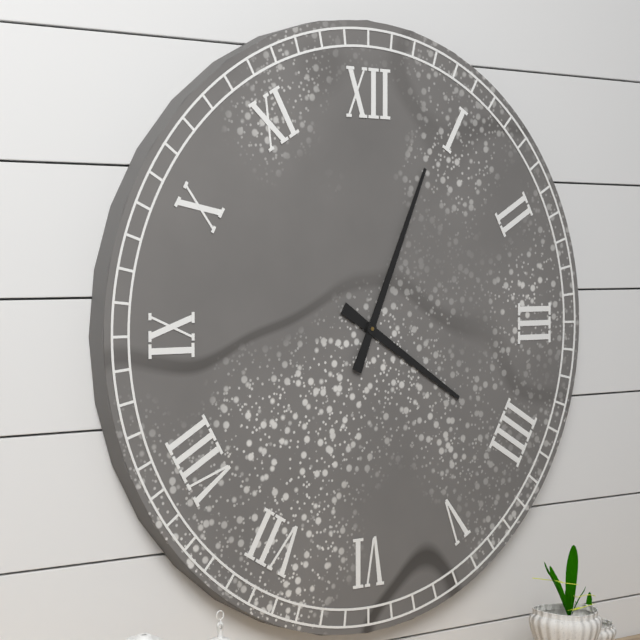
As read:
4:04
